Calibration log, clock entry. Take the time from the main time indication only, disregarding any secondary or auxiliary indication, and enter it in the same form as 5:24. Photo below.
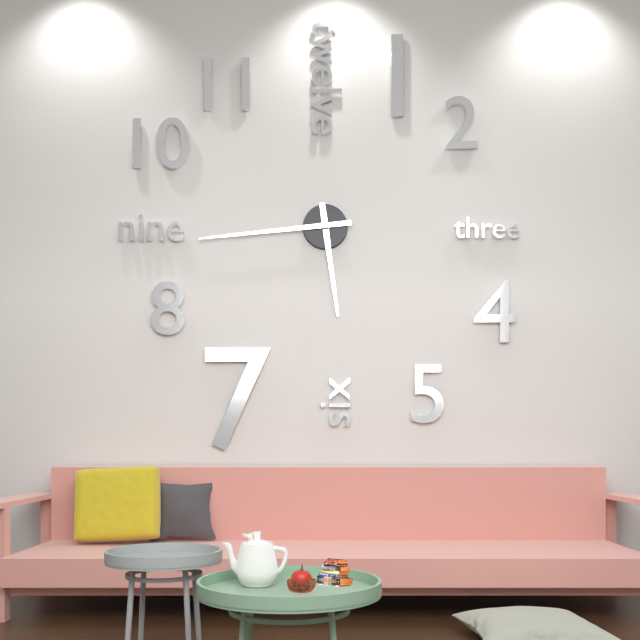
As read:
5:44
